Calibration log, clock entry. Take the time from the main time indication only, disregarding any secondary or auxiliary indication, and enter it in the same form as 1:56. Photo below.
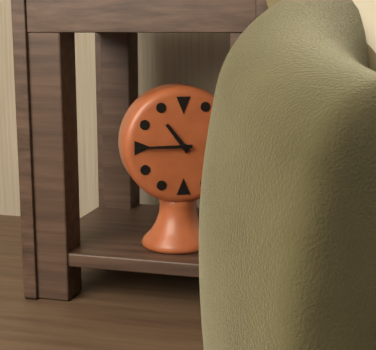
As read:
10:45
